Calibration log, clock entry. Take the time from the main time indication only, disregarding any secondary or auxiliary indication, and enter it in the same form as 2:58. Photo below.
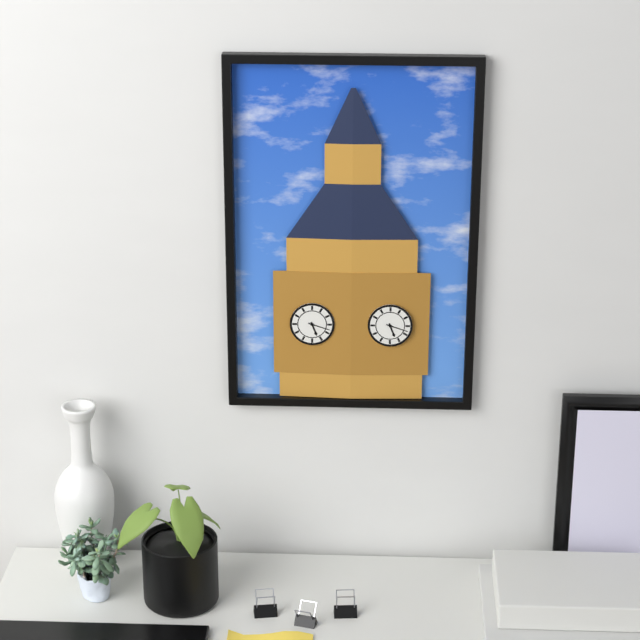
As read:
5:18
